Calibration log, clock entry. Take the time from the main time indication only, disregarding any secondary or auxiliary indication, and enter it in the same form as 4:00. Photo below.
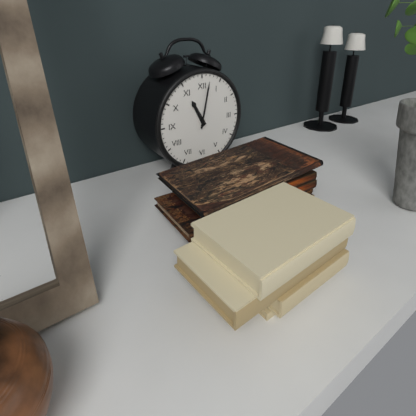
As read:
11:02
